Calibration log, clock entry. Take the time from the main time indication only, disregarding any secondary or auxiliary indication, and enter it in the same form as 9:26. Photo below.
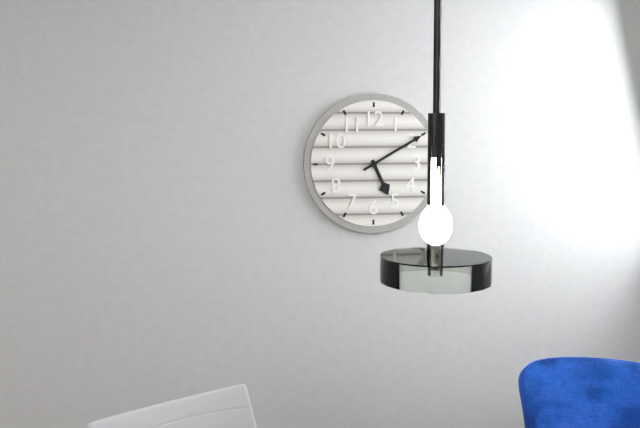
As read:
5:10
